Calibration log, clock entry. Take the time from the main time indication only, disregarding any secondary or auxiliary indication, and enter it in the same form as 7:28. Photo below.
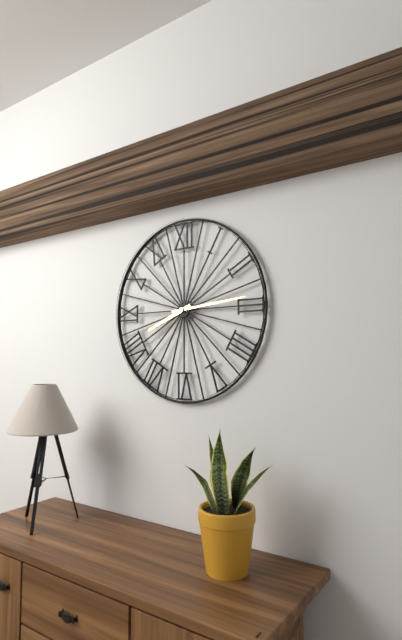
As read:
8:14
